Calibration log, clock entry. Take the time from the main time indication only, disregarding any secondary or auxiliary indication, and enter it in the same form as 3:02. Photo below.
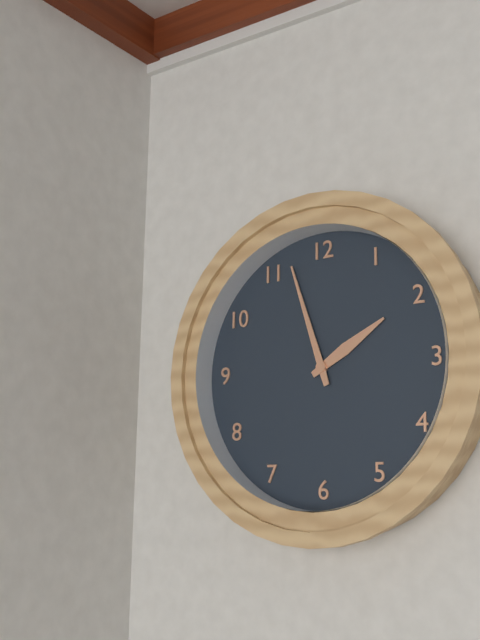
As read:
1:57
